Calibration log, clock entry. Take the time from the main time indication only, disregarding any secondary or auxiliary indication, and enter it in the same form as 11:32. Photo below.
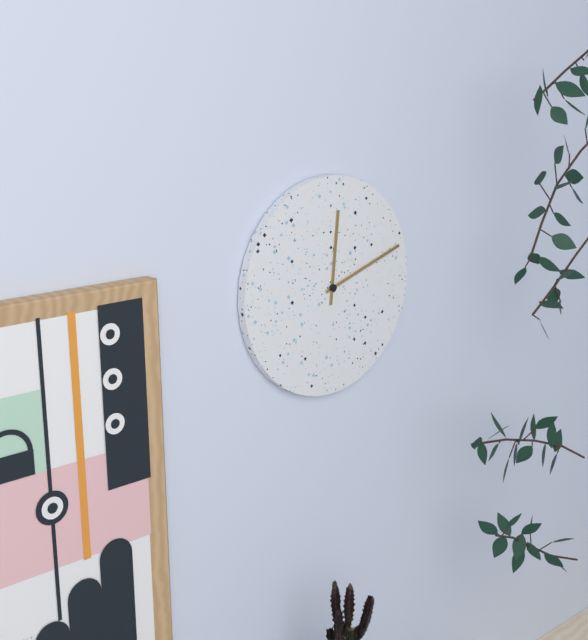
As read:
12:12
